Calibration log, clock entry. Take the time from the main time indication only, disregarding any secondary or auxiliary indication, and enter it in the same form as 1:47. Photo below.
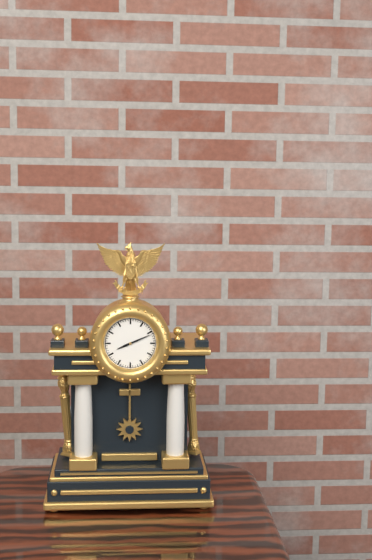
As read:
8:11
